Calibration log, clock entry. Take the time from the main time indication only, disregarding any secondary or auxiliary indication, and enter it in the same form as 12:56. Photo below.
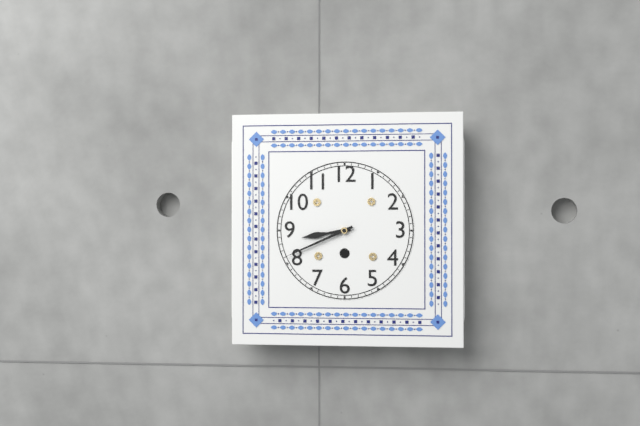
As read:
8:41
